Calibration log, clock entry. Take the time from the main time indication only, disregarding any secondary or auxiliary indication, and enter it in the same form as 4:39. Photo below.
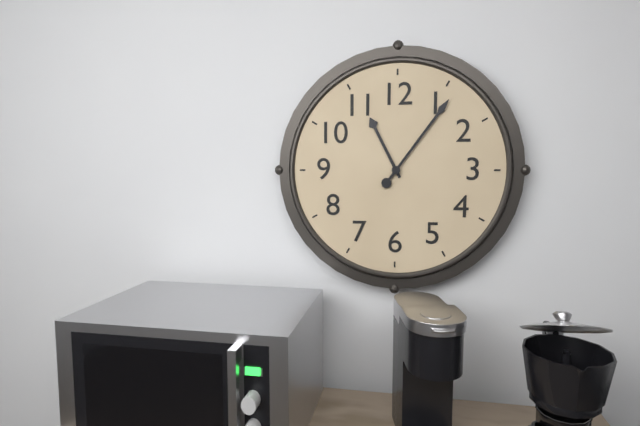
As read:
11:06
